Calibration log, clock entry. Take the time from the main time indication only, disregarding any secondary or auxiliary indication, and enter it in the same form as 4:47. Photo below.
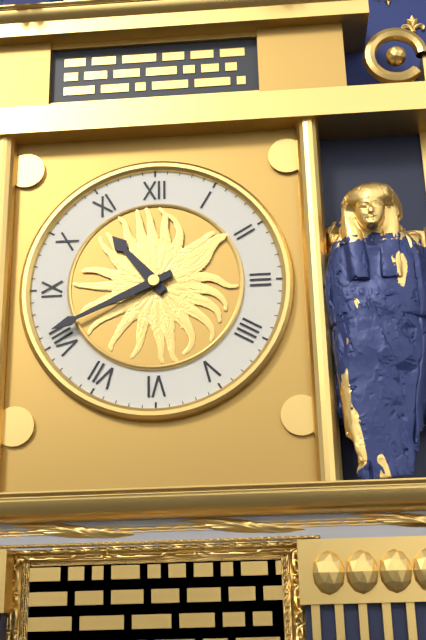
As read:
10:41
